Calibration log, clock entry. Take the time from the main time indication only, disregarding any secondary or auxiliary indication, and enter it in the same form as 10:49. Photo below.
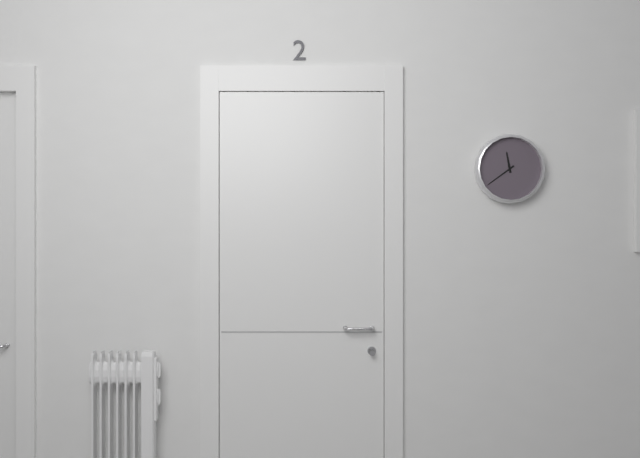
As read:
11:39
